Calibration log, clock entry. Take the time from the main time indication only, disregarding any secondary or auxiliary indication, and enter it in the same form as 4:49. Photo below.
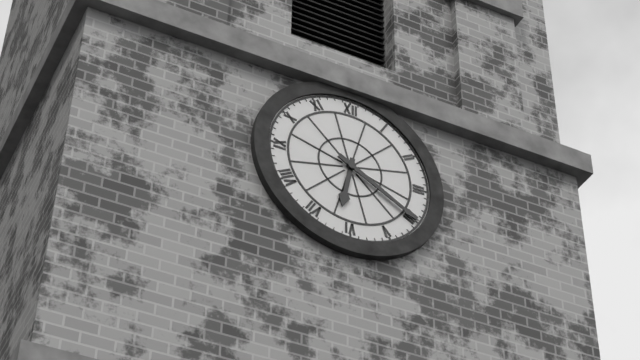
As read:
6:20
